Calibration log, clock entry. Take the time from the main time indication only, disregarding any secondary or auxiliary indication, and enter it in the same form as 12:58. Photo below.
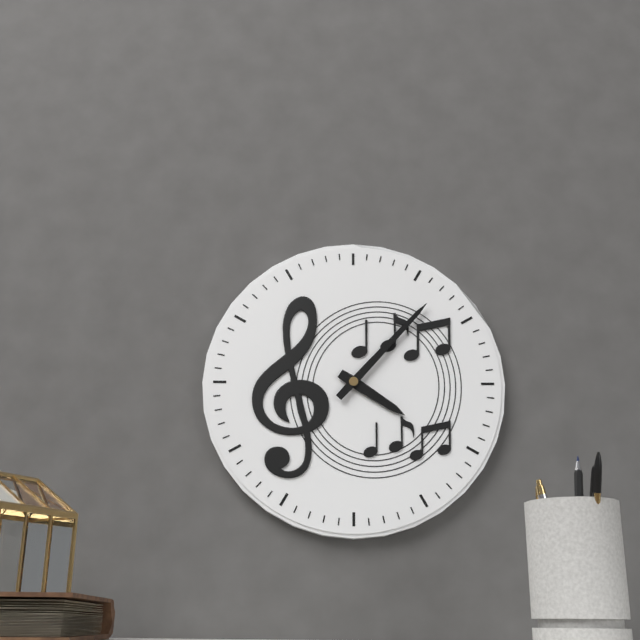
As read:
4:07
